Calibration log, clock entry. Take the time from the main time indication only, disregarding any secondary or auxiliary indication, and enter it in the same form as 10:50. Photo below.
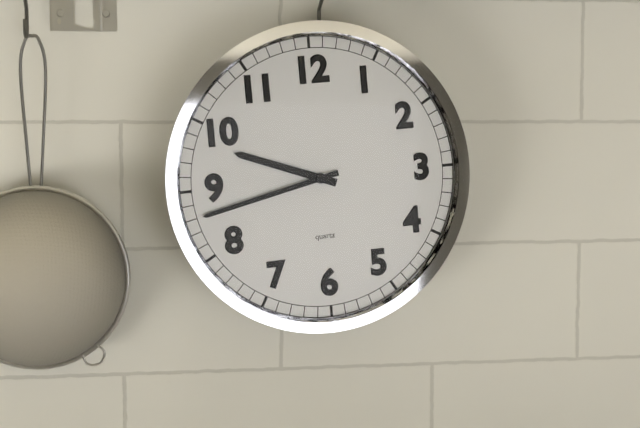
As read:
9:43
